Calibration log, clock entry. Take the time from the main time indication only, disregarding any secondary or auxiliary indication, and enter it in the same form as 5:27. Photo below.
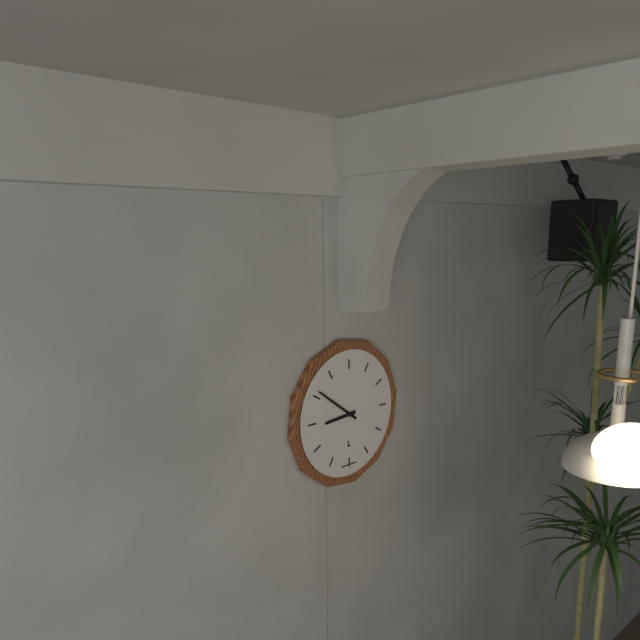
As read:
8:51
